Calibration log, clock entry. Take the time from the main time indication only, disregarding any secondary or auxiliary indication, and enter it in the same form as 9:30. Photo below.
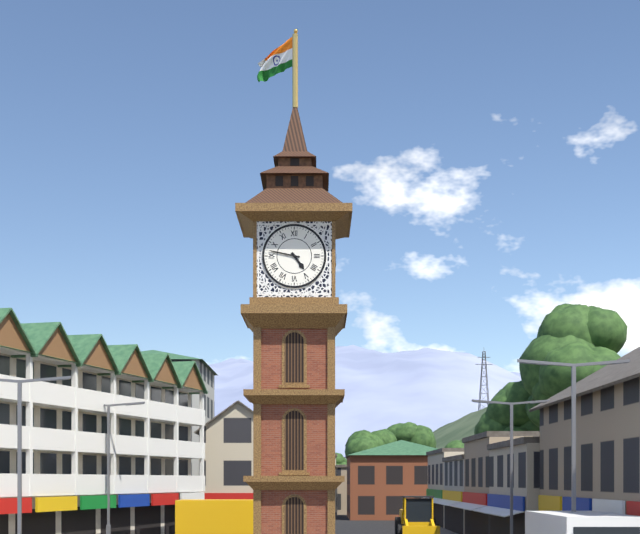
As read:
4:47
